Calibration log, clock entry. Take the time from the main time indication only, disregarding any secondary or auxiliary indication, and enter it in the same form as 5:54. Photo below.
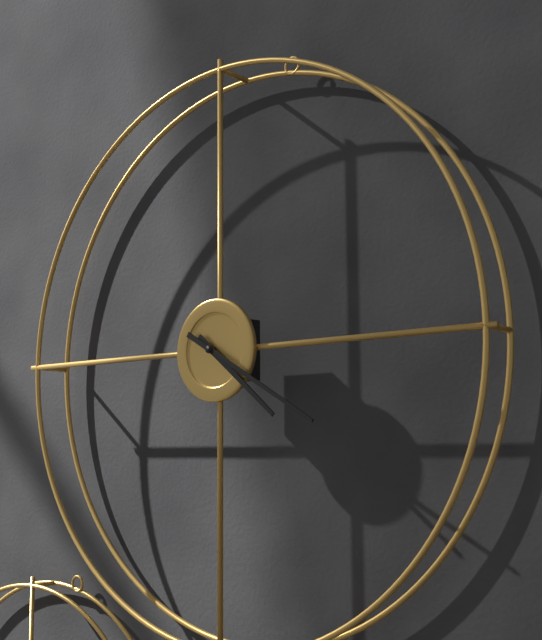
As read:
4:20
